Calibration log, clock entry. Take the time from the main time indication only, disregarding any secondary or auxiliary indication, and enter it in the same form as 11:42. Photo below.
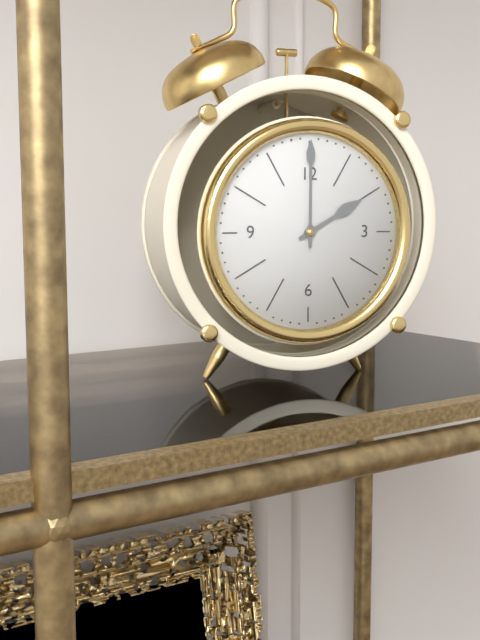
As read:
2:00
